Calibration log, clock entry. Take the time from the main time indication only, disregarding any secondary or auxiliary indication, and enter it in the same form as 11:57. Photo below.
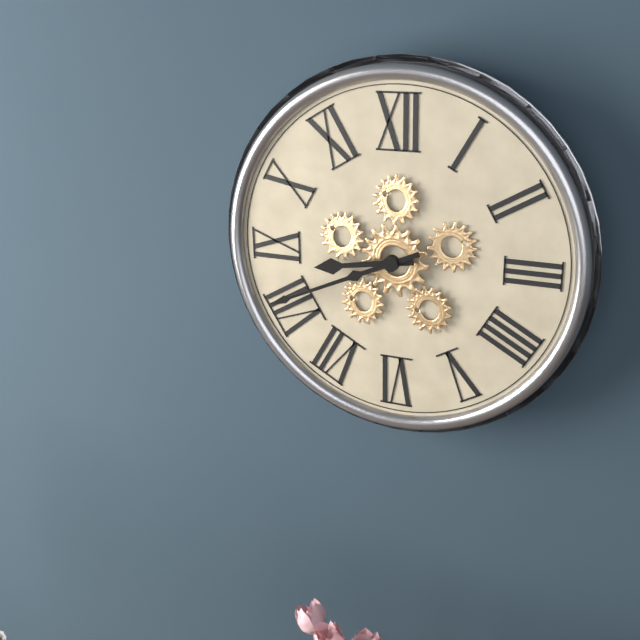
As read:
8:41
